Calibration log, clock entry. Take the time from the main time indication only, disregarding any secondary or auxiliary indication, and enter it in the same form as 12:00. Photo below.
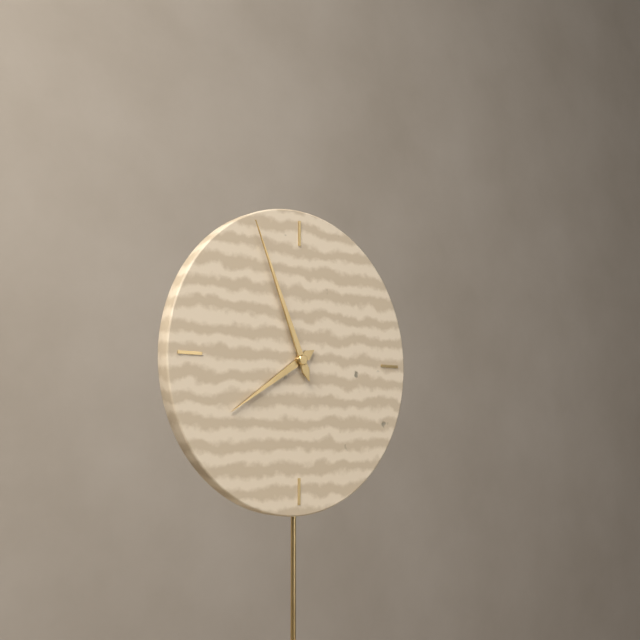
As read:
7:56
